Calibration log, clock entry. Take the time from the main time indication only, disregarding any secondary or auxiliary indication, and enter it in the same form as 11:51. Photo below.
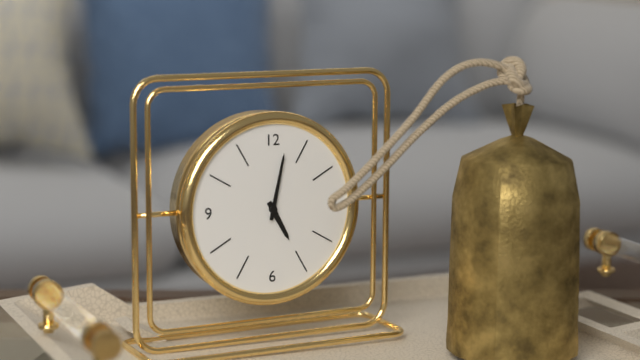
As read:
5:02
